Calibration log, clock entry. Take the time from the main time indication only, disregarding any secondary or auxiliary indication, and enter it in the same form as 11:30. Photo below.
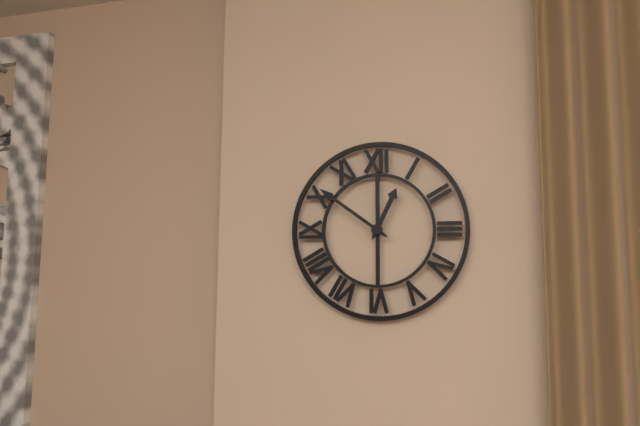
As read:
12:51
